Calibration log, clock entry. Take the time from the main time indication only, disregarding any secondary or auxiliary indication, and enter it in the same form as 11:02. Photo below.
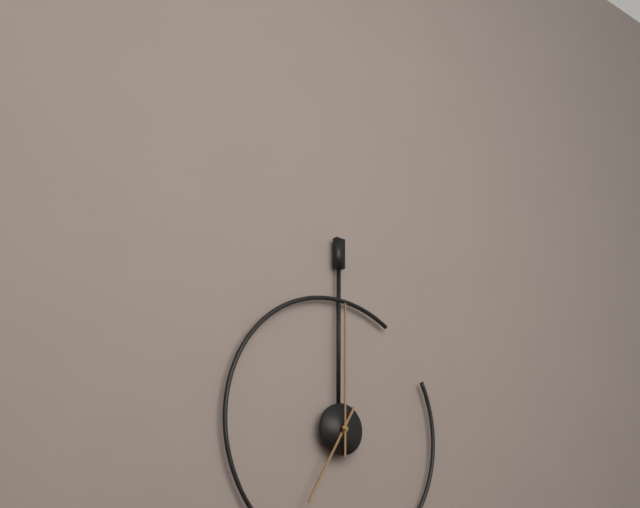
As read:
7:00
